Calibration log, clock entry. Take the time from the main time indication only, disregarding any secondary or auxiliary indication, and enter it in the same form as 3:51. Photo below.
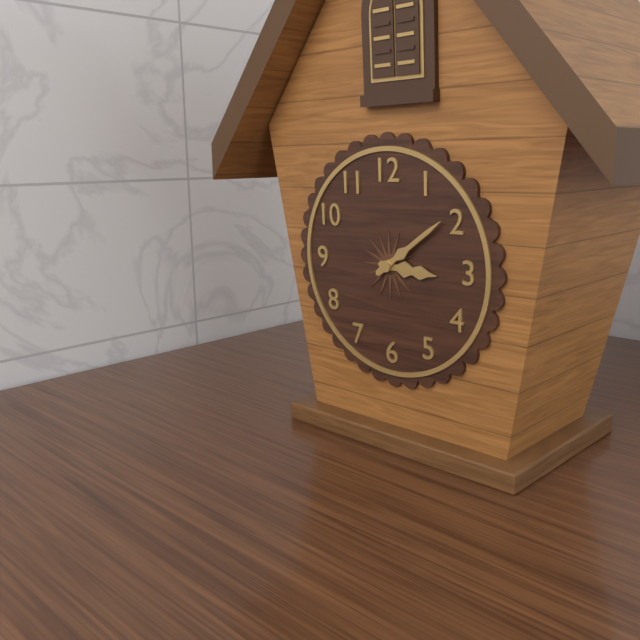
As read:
3:09
